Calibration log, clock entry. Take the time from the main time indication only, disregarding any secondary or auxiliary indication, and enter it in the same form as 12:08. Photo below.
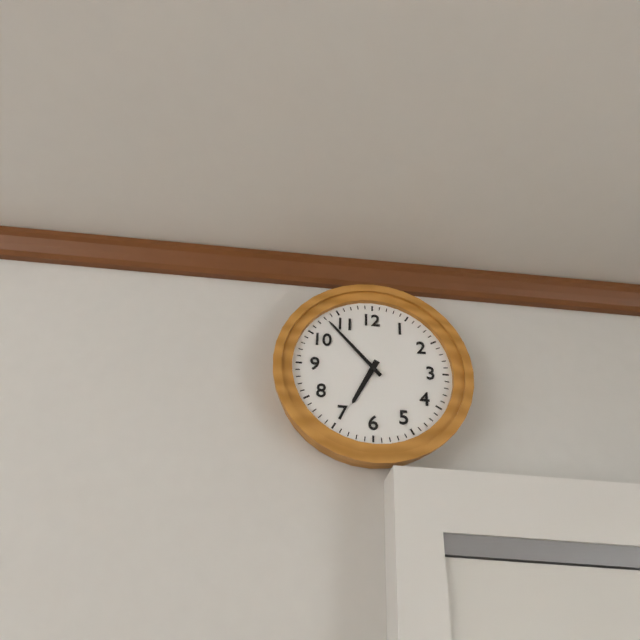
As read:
6:53
